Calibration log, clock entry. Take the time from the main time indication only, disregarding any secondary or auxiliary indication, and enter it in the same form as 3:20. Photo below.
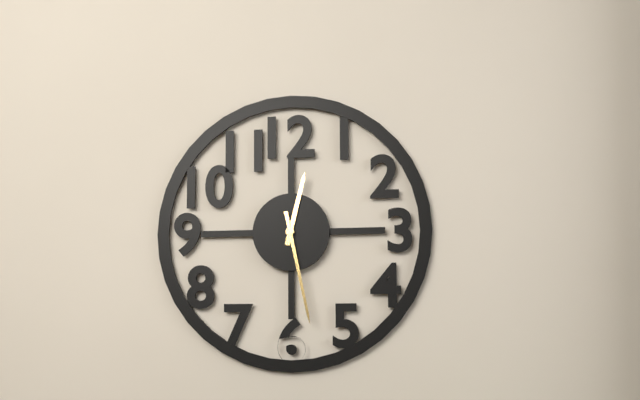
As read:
12:28
